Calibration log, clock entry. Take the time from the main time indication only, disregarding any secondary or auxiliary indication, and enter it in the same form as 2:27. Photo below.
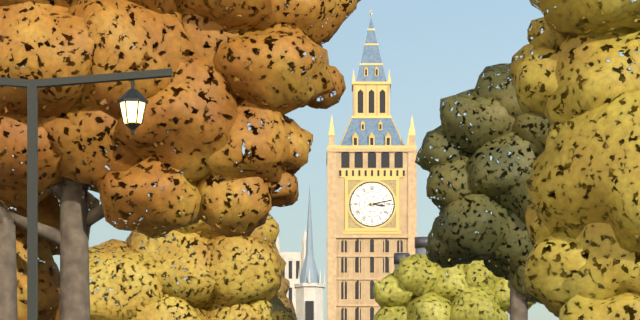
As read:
3:13
